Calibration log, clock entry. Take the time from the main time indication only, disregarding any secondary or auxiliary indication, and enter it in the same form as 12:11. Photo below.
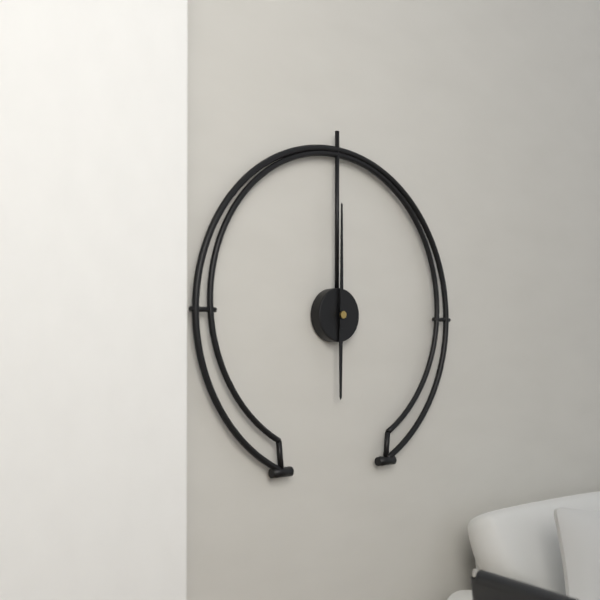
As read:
6:00
